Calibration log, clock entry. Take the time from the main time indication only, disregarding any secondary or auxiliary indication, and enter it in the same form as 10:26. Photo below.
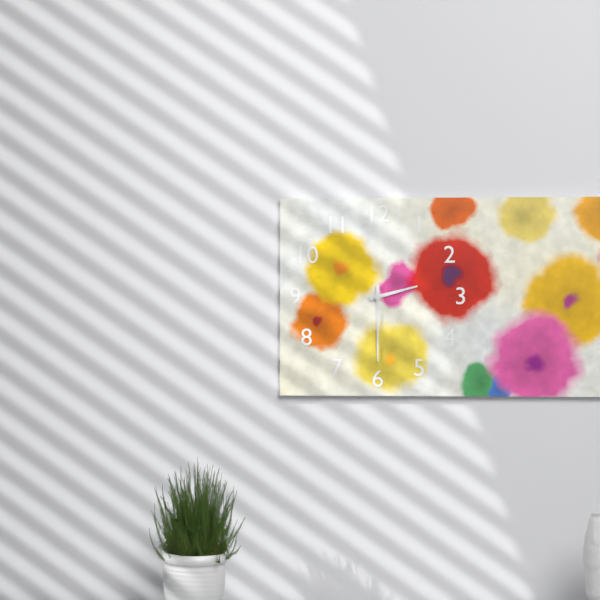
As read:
2:30
